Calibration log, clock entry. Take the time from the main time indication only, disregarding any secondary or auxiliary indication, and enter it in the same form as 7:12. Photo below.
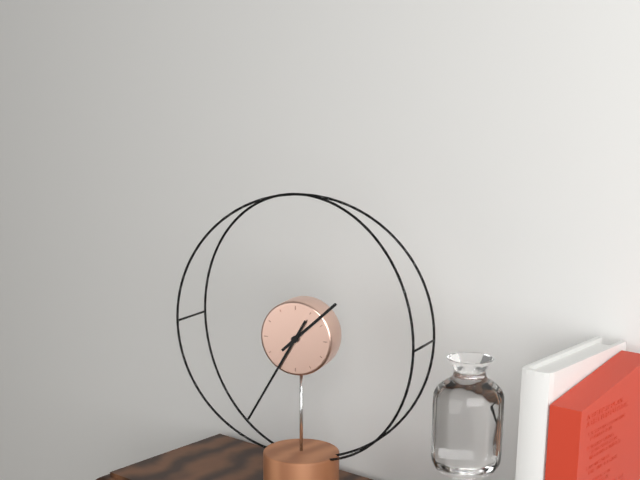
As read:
1:35
